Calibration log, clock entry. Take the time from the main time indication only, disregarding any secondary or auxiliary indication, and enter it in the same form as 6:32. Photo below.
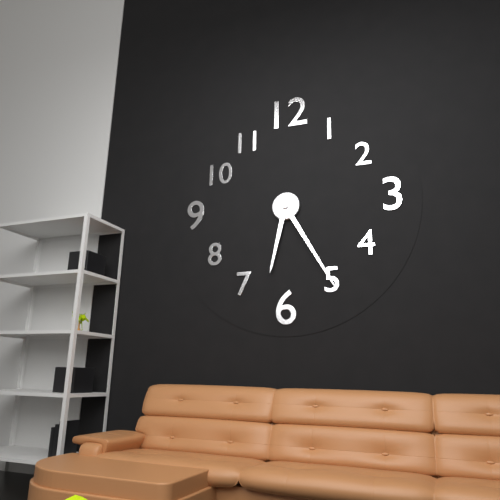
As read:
6:25
